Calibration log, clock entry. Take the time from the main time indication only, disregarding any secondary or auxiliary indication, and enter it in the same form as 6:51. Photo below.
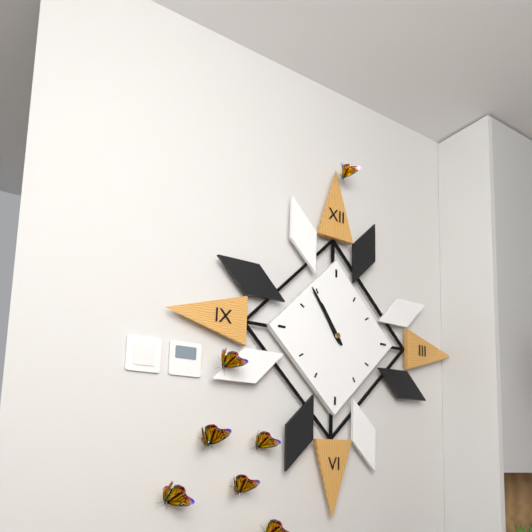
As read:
10:54
